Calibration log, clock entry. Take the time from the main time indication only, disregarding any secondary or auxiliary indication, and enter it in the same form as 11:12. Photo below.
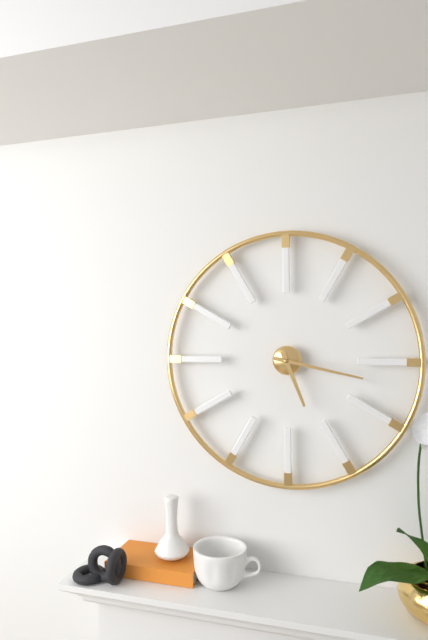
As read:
5:17
